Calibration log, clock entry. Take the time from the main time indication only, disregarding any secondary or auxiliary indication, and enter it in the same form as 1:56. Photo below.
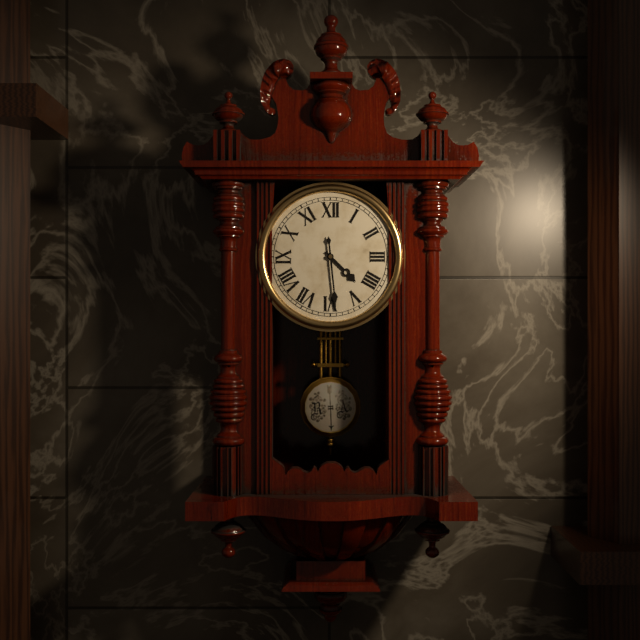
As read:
4:29
